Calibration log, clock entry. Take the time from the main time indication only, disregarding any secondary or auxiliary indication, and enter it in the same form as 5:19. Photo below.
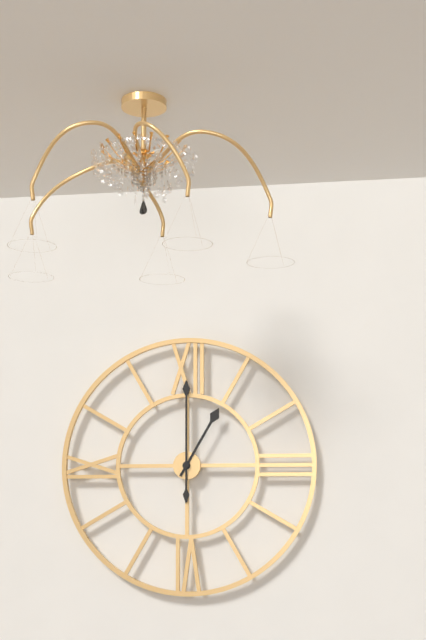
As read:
1:00
